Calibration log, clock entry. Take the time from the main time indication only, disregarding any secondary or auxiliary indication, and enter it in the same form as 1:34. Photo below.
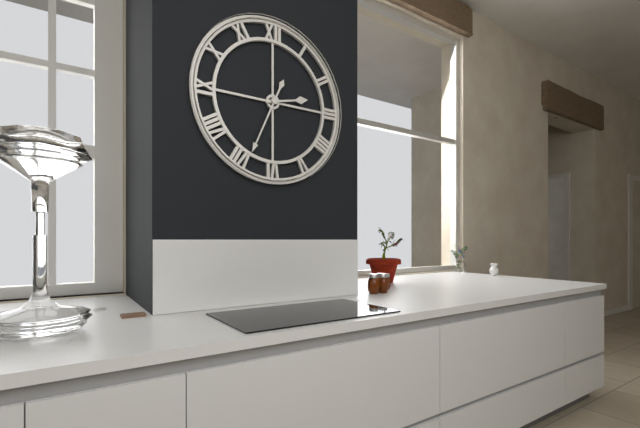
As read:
2:34
